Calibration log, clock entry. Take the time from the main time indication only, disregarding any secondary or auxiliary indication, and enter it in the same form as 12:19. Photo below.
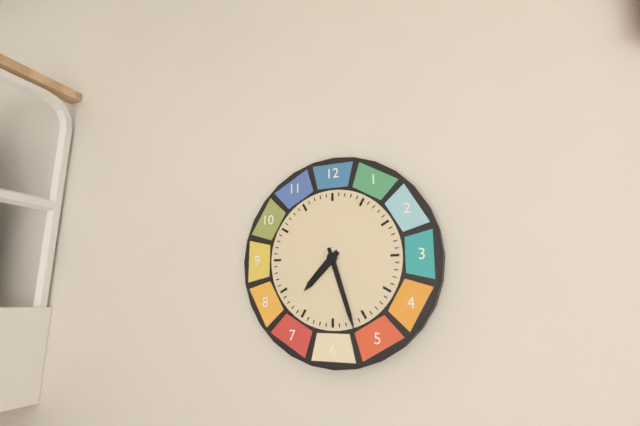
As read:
7:27
